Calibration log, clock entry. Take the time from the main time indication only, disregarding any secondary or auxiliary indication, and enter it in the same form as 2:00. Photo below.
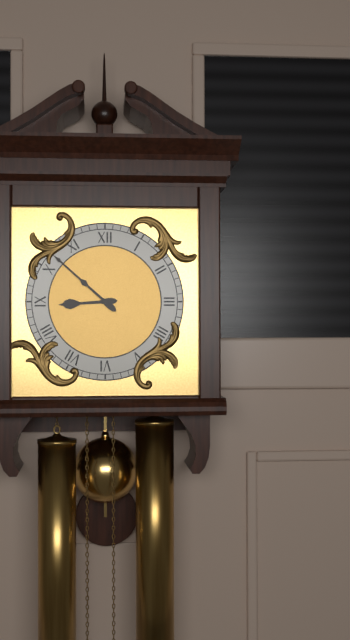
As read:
8:52
